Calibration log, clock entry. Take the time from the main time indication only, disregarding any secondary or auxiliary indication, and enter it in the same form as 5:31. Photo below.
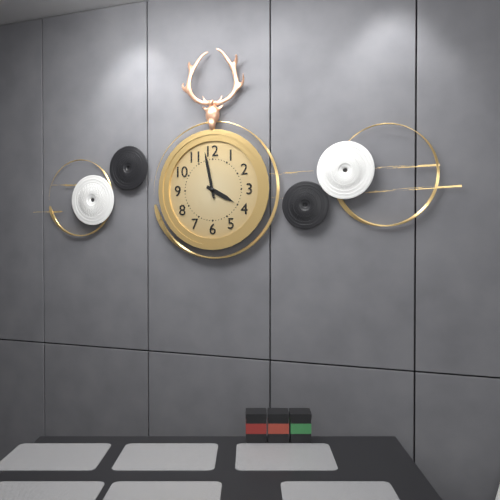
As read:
3:58
